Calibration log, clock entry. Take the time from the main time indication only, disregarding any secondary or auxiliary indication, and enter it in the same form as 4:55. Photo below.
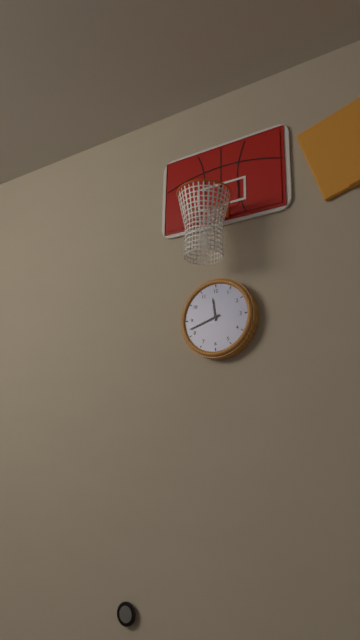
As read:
11:42
